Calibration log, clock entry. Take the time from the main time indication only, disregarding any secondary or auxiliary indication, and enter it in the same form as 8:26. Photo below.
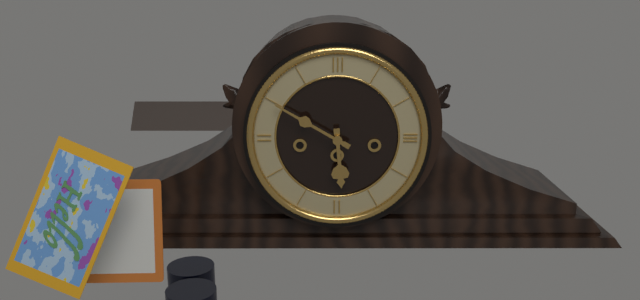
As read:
5:50
